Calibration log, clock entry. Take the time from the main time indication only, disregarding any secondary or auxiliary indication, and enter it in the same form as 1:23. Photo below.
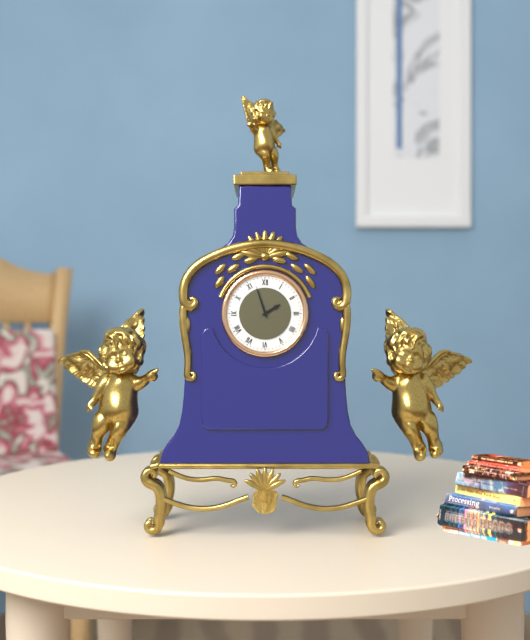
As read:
1:57
